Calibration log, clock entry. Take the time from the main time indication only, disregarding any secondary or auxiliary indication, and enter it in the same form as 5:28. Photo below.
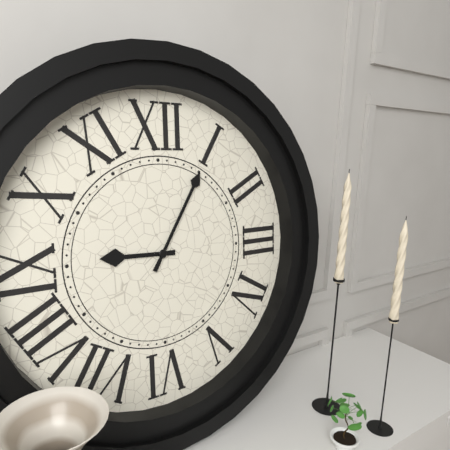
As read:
9:05
